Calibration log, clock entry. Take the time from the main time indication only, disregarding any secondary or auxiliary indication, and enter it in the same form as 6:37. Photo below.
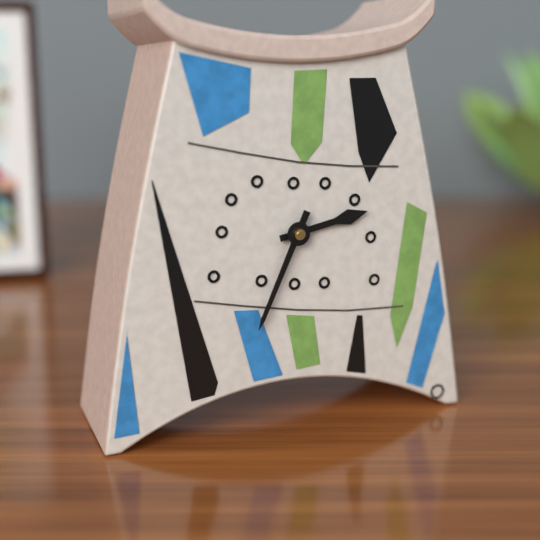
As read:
2:34
